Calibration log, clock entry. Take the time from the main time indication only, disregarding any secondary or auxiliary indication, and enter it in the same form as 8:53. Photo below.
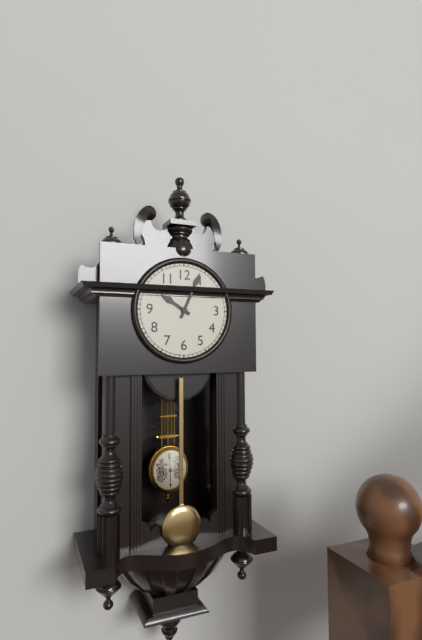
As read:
10:04
